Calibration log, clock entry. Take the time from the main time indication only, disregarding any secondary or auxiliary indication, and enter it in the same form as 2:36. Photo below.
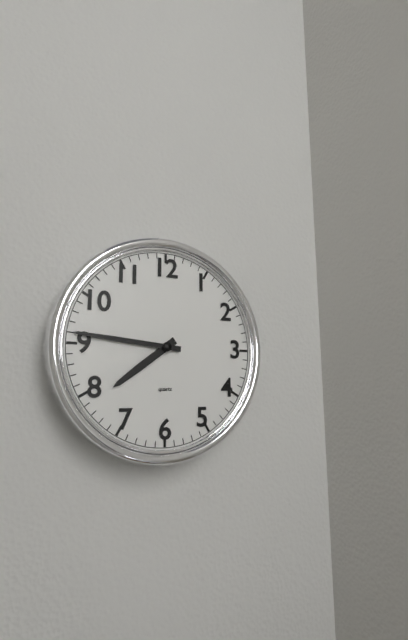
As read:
7:46
